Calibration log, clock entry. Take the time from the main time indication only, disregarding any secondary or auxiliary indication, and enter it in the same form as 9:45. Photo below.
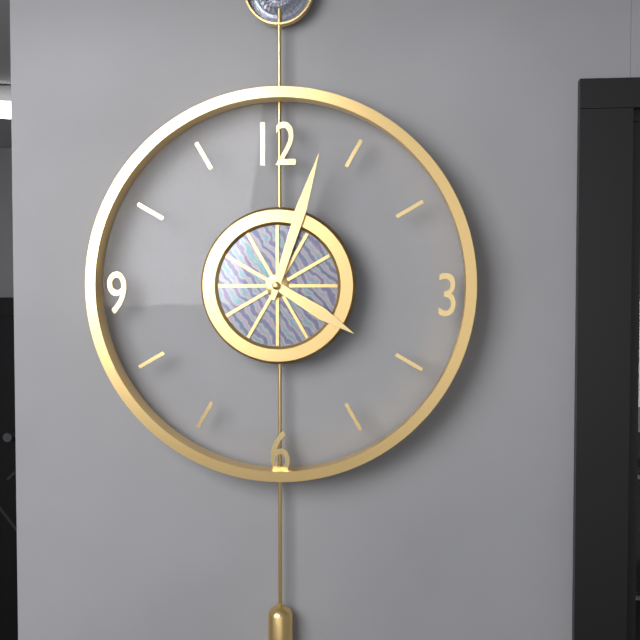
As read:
4:03
